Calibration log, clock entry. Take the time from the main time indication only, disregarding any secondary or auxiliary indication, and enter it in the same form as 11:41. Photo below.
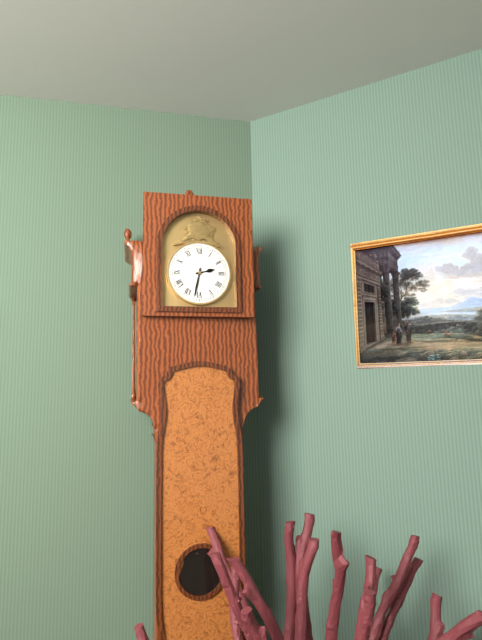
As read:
2:32
